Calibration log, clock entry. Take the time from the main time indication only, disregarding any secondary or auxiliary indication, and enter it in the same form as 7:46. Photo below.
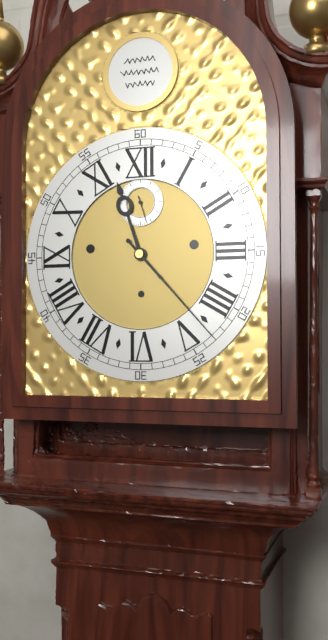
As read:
11:23
